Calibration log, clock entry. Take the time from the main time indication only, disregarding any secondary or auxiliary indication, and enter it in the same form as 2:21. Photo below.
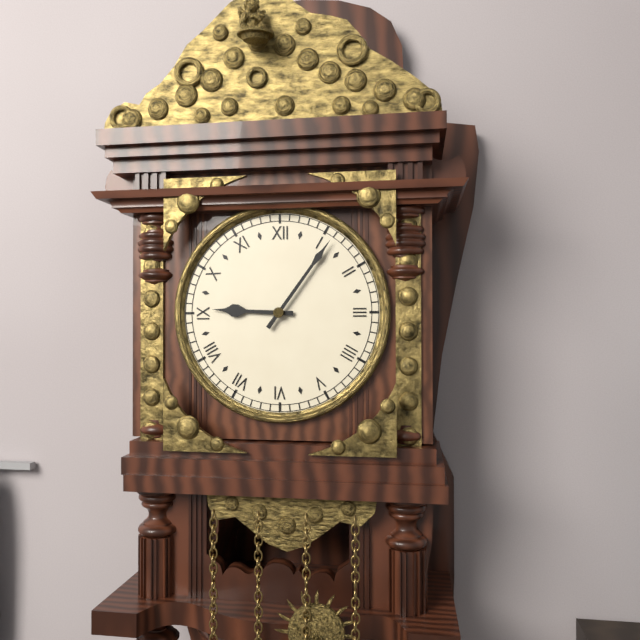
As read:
9:06
